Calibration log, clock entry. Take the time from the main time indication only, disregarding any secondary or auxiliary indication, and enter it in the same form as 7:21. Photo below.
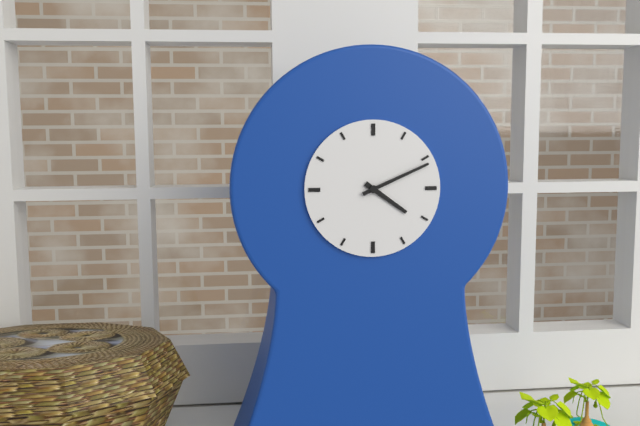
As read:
4:11
